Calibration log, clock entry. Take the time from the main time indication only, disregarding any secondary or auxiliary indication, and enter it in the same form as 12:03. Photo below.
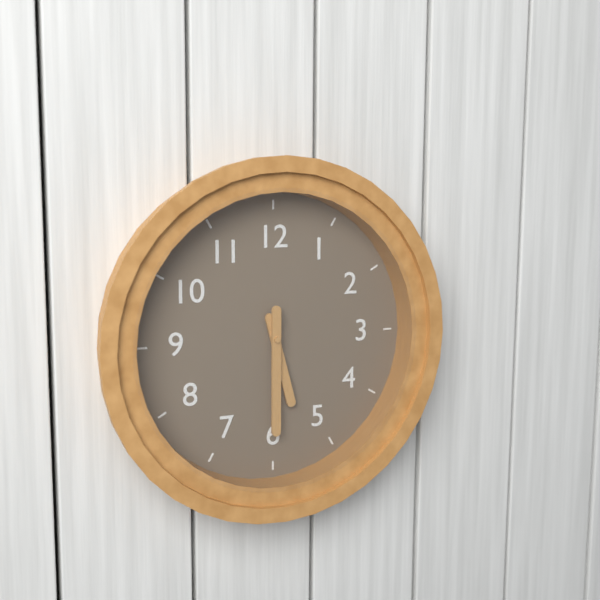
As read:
5:30
